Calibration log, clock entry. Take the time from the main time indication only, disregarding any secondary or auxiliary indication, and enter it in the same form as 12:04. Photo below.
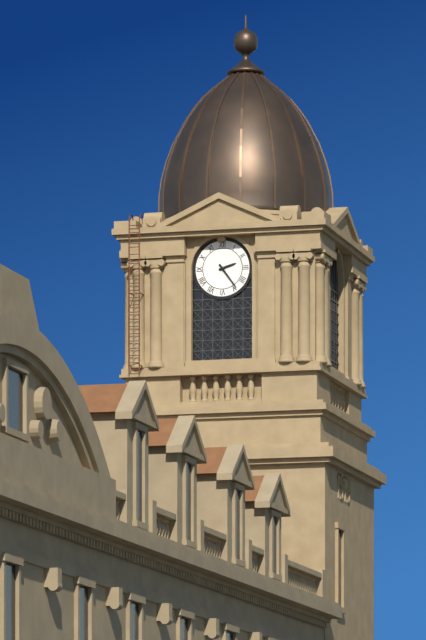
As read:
2:24
